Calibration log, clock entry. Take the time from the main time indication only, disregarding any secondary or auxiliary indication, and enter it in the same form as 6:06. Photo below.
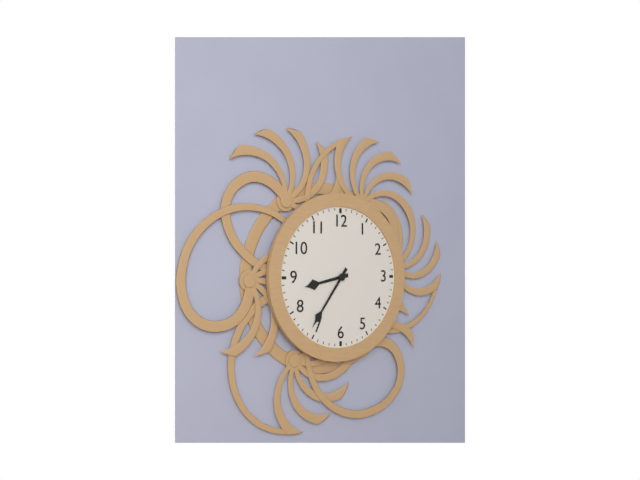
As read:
8:36
